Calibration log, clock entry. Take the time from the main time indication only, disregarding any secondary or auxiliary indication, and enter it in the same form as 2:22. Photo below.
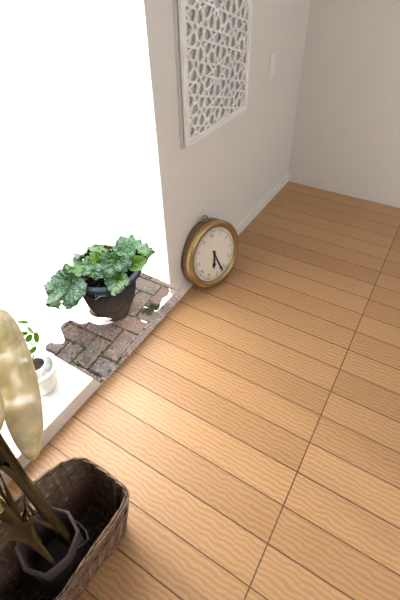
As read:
6:27
